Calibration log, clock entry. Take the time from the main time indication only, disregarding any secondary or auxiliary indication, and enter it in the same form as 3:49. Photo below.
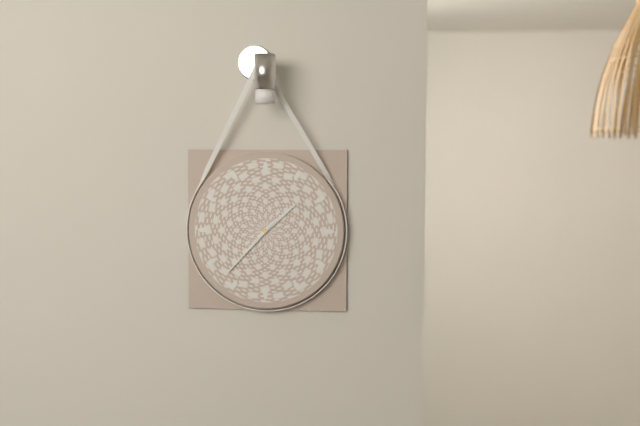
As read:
1:37
